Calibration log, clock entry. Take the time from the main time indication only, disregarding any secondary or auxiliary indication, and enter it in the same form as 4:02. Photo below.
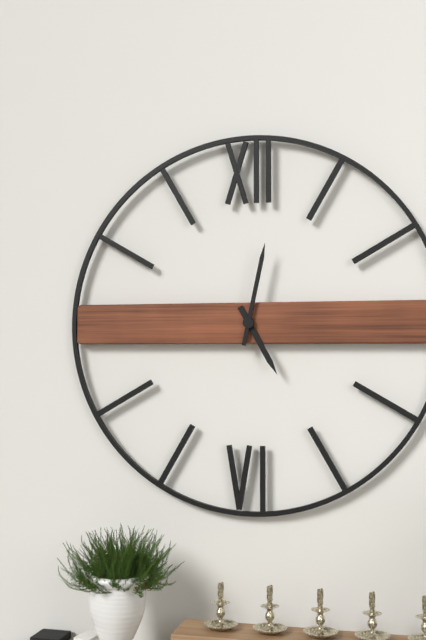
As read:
5:02
